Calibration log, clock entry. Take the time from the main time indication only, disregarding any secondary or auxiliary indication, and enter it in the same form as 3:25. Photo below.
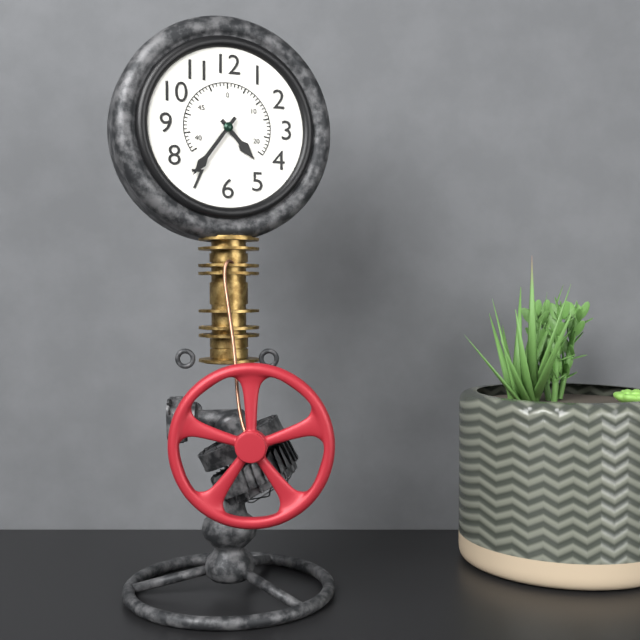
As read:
4:36
